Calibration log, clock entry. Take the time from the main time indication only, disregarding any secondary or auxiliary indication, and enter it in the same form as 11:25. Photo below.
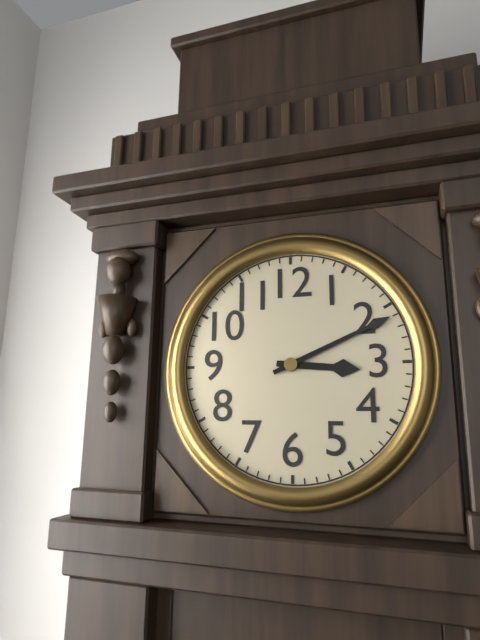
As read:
3:11
